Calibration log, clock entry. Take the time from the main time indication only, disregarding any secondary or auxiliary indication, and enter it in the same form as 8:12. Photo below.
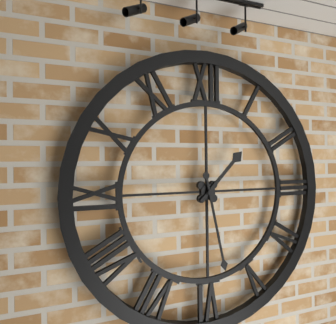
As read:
1:28
